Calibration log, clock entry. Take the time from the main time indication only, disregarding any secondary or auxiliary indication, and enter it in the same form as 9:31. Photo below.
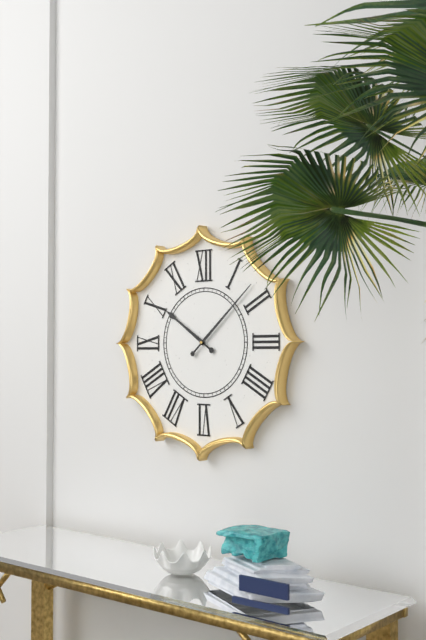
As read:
10:08
